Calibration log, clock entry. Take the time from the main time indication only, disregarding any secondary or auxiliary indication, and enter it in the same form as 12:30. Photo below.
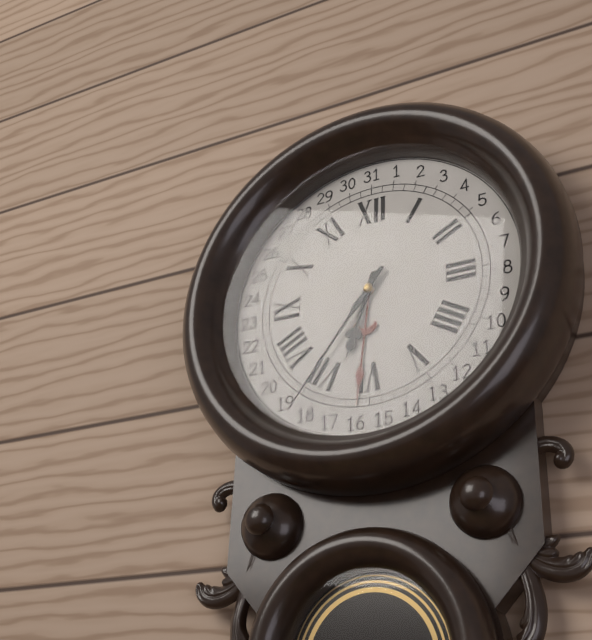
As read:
6:36
